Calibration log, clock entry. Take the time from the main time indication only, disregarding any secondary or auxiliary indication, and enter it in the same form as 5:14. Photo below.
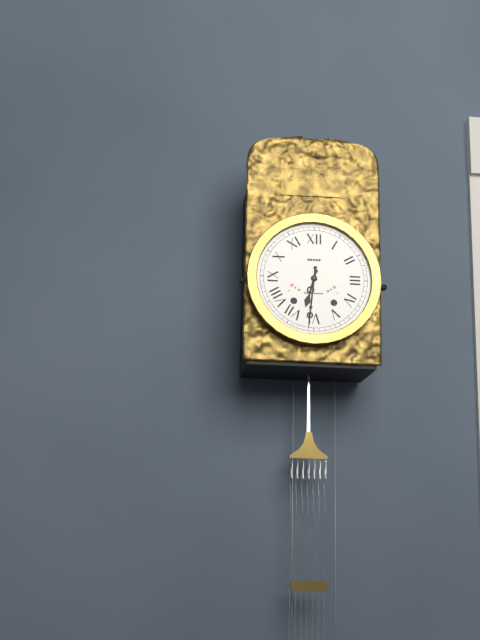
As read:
6:31
